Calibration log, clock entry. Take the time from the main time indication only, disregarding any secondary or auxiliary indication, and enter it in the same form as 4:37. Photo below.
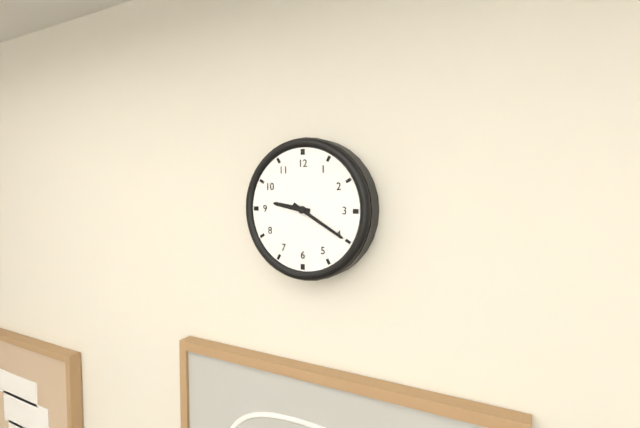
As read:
9:20
